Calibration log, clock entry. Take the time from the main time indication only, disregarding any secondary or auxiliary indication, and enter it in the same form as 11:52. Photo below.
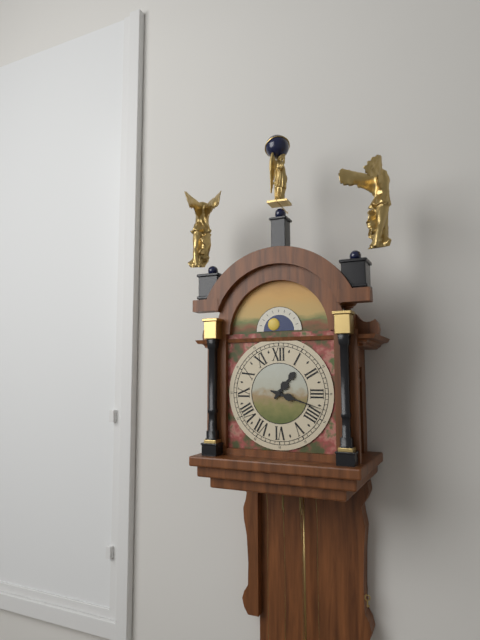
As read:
1:18
